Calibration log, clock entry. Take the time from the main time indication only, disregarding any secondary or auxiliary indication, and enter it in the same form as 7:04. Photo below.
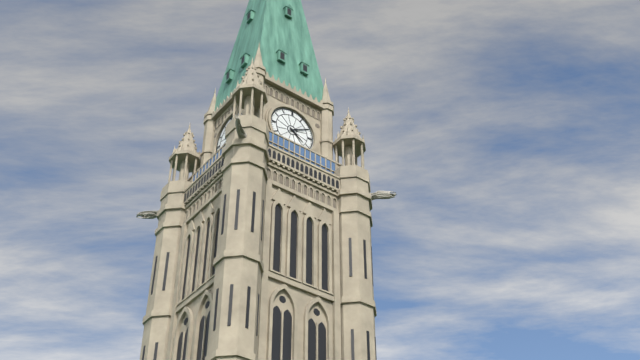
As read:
4:10
